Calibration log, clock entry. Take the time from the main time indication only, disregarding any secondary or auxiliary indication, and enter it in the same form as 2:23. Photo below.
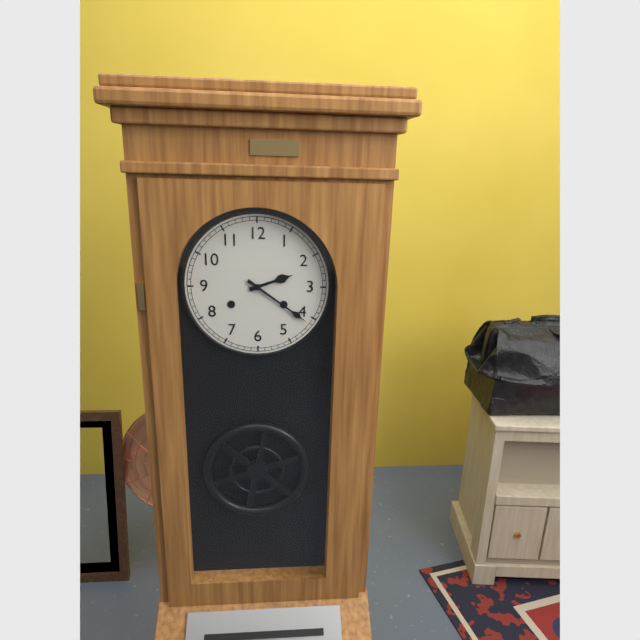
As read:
2:21
